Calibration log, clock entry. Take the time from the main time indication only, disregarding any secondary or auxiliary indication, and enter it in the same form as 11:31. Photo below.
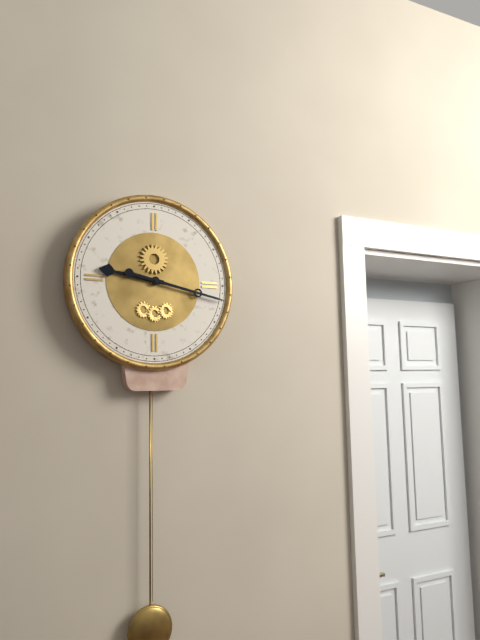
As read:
9:17
